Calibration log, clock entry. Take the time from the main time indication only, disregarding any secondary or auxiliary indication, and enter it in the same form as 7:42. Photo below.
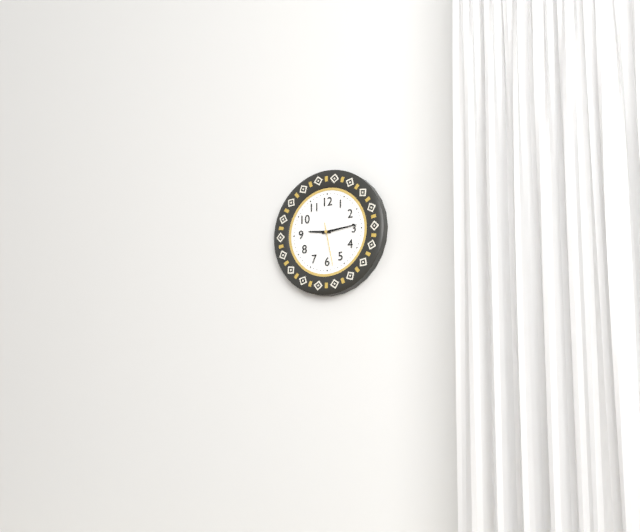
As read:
9:14
